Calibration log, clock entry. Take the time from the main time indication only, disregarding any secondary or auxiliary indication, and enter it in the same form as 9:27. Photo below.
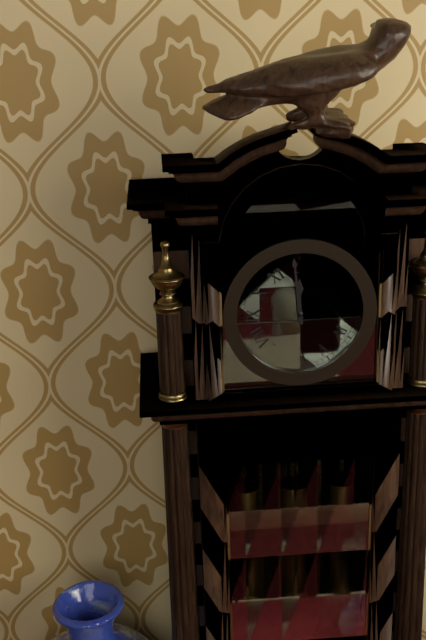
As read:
11:59
